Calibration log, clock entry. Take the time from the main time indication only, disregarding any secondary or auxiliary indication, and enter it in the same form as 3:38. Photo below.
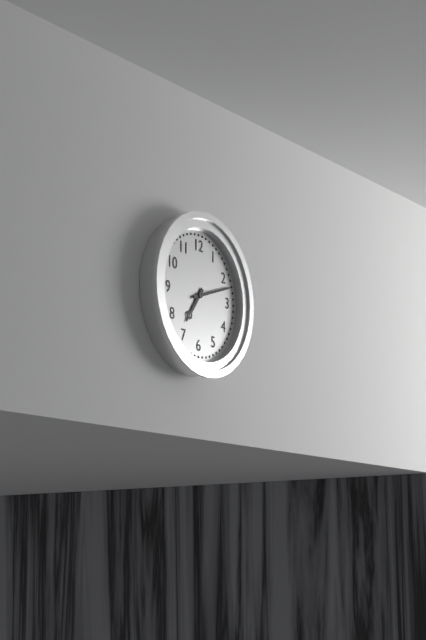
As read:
7:12
